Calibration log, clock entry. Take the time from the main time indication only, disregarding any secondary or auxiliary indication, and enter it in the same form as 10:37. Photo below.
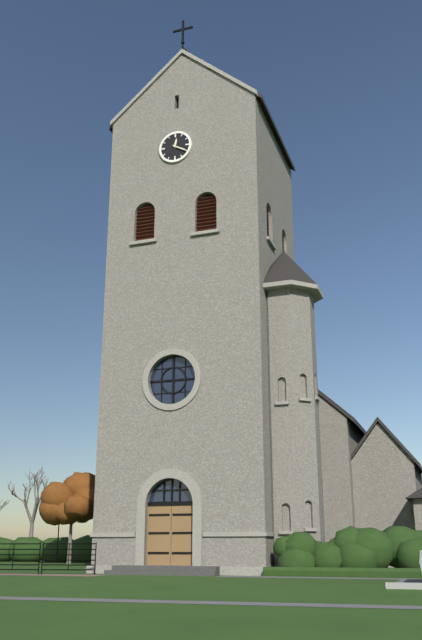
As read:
12:20
